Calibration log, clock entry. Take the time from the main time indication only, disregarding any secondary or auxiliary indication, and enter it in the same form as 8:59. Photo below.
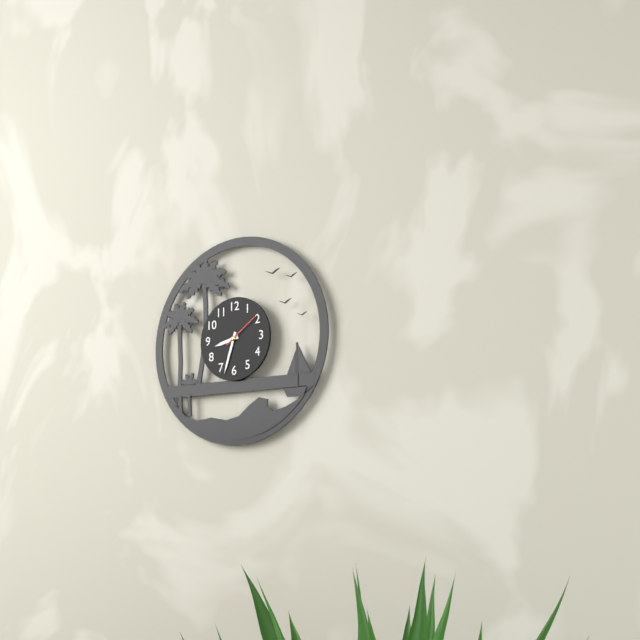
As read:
8:33
